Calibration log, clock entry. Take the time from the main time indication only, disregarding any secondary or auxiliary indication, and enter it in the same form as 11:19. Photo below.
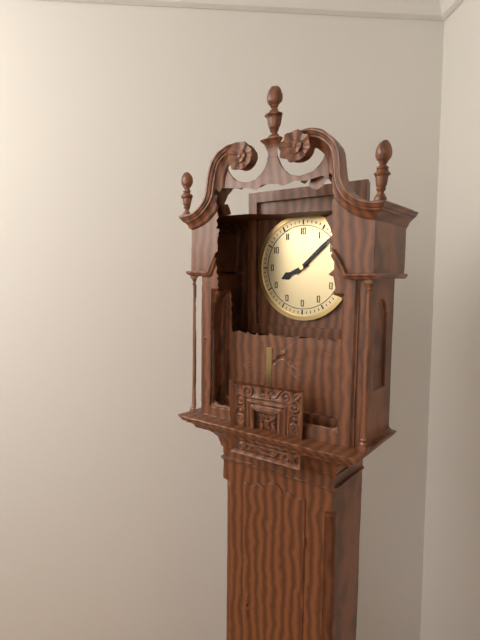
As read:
8:08
